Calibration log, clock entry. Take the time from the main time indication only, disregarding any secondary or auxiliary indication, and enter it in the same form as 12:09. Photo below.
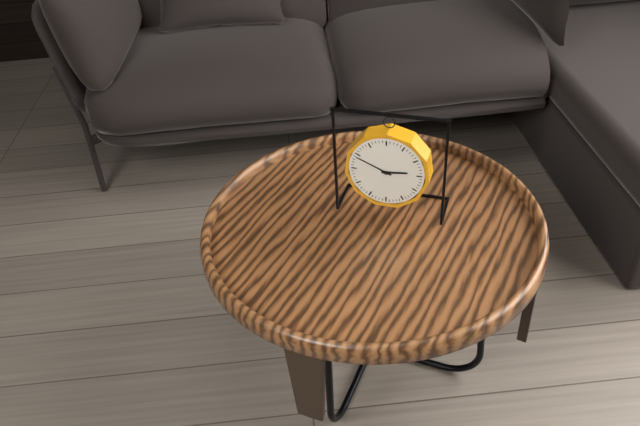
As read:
2:49
